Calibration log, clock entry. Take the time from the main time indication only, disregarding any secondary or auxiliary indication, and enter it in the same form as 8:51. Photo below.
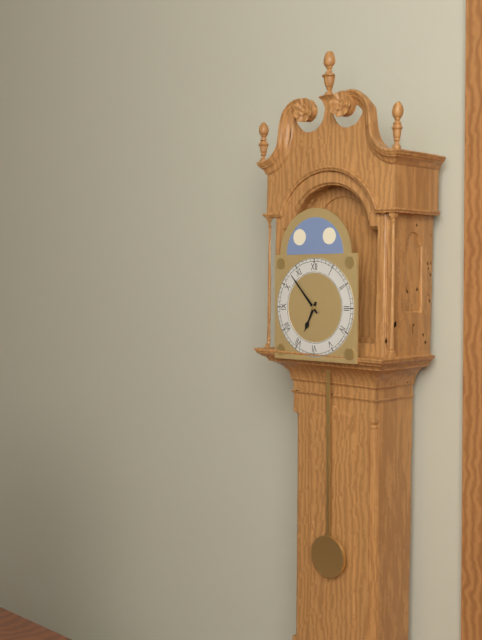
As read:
6:53
